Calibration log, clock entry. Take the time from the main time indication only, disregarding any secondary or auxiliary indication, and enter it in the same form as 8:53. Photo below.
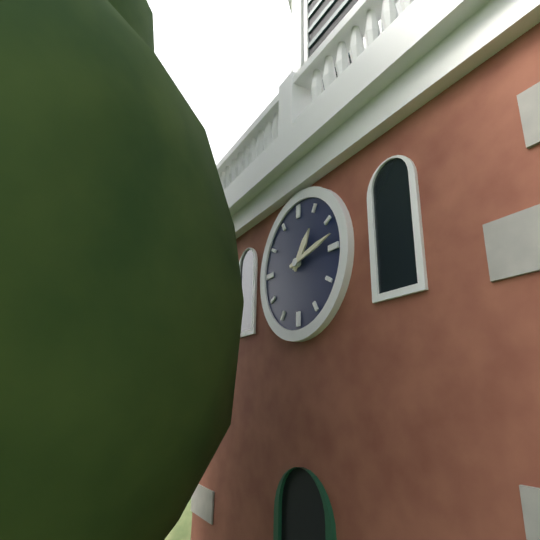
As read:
1:13
